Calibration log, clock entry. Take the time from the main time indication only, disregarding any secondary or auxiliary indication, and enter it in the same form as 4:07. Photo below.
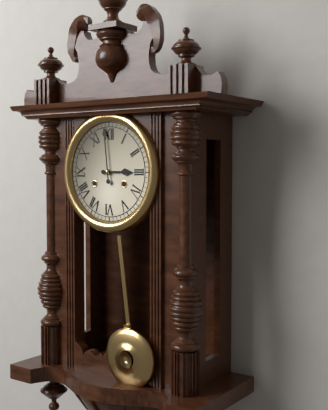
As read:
2:59
